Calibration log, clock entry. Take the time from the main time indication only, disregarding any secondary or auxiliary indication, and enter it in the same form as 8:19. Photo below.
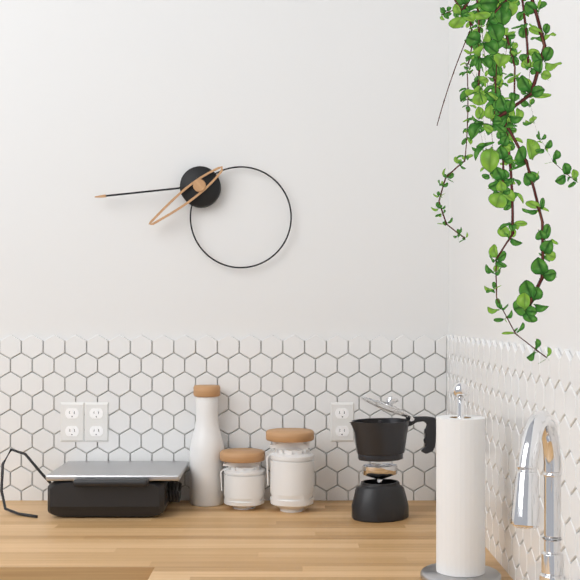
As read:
7:44
